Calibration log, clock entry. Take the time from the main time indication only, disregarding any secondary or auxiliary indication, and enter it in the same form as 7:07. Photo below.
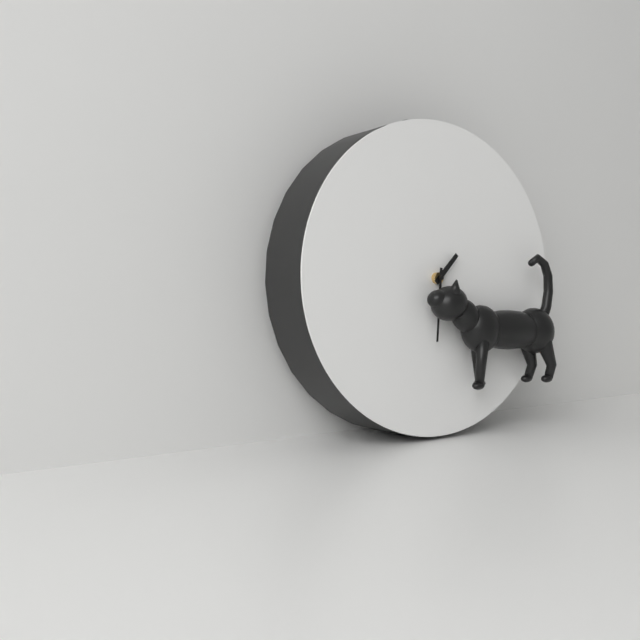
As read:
1:31
